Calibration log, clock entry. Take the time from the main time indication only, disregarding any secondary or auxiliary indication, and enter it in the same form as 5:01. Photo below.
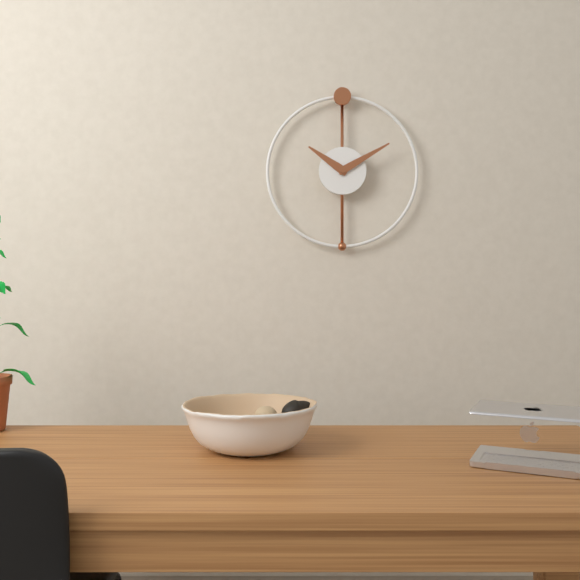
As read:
10:10
